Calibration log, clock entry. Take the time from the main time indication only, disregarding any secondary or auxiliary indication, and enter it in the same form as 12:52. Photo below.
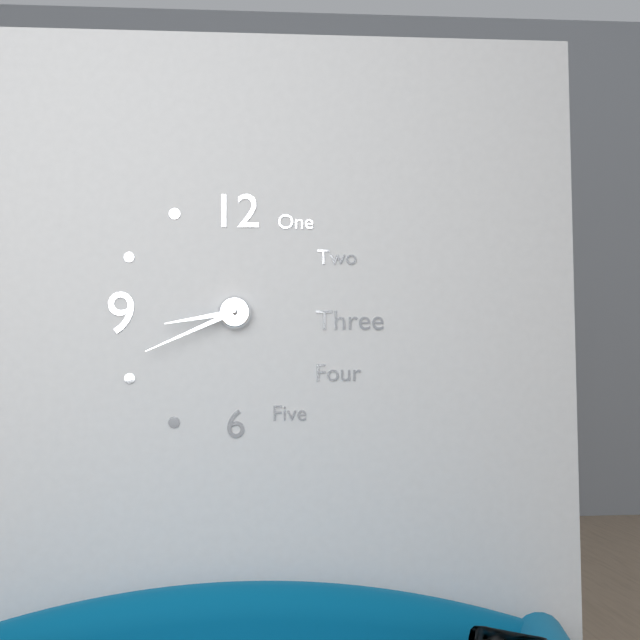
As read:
8:41
